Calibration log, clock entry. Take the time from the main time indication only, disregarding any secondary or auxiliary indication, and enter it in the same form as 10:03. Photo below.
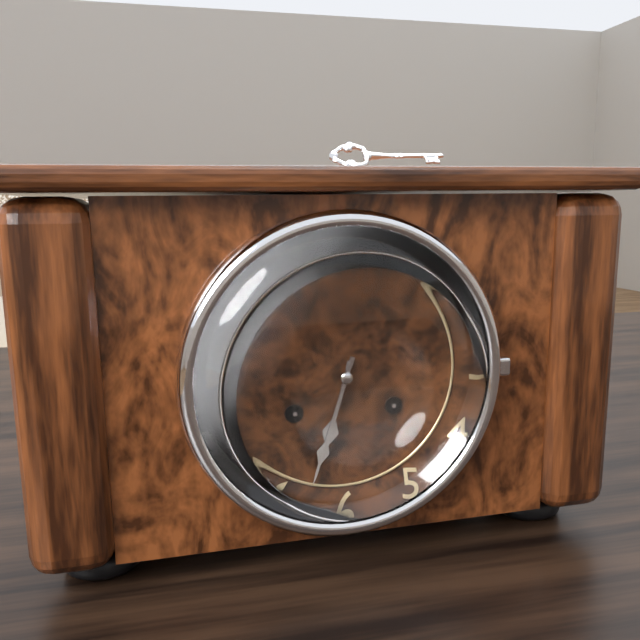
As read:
6:33
